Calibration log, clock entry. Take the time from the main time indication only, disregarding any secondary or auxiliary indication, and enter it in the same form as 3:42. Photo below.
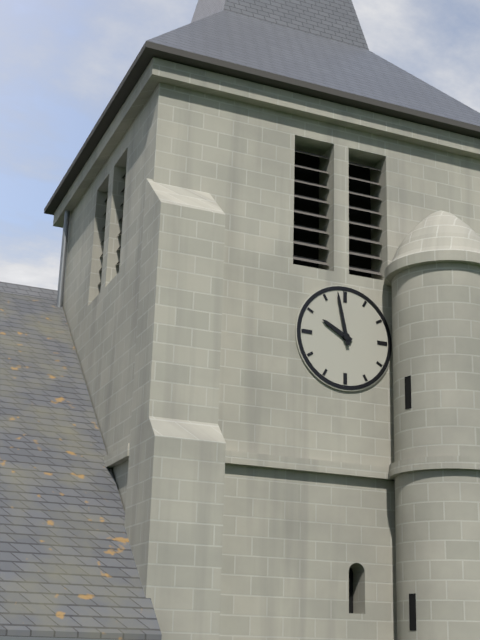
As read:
9:58
